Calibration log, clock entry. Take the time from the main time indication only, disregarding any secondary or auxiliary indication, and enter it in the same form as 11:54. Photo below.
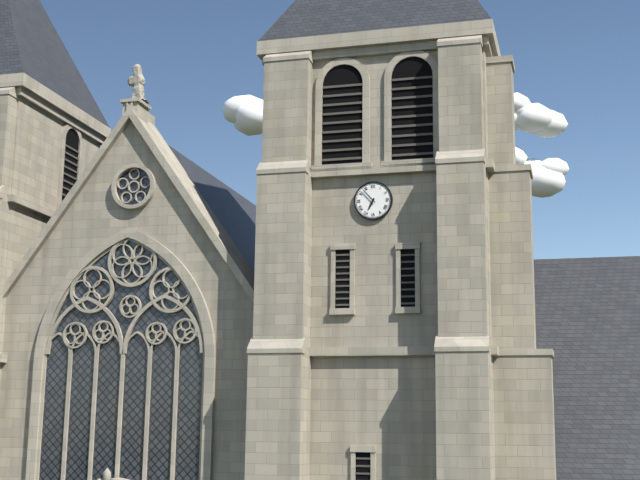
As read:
6:53
